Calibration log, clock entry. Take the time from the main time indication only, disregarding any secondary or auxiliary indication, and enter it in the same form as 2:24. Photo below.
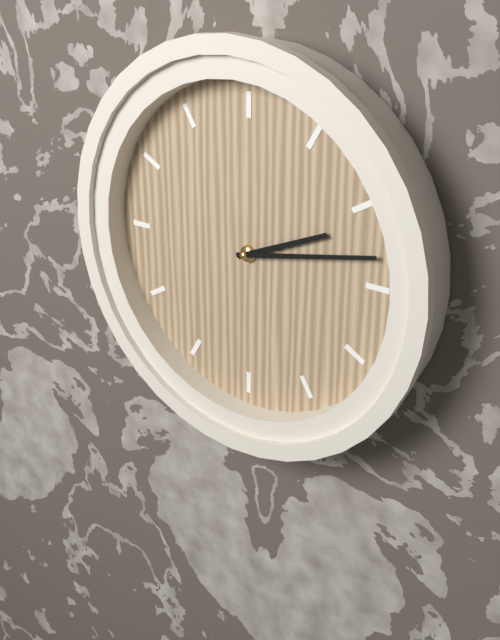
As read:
2:13
